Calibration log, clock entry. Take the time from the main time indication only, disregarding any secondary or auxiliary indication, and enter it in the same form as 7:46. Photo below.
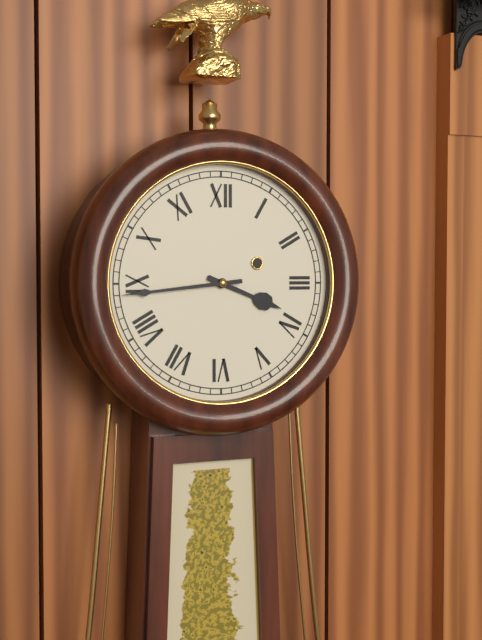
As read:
3:44
